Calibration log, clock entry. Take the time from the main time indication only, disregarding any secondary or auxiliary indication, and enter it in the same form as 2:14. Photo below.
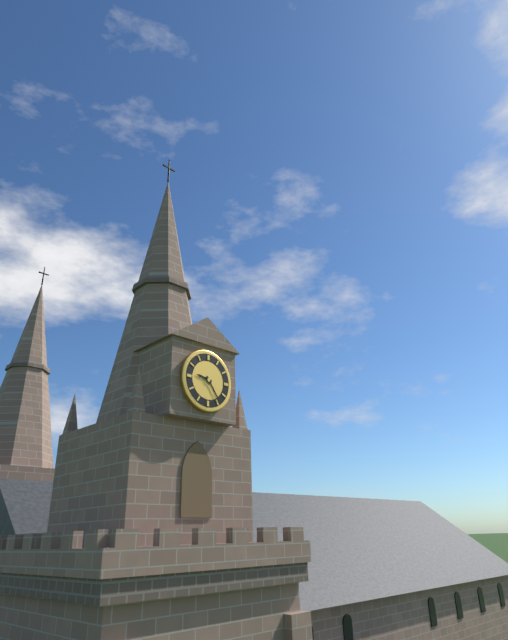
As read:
9:24
